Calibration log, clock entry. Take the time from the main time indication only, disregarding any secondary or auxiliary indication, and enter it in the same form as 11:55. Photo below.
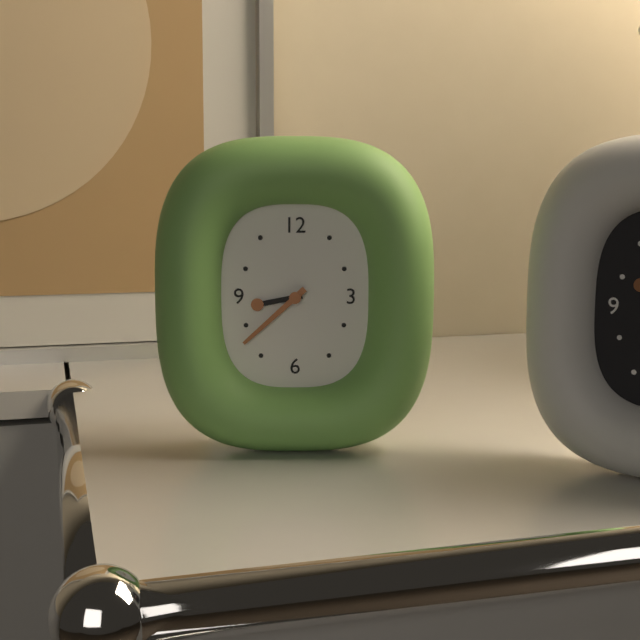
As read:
8:38
